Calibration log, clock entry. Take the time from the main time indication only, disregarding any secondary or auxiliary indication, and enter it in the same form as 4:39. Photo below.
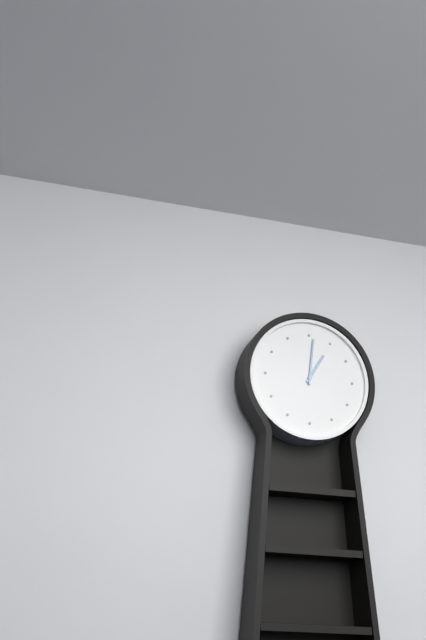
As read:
1:01
